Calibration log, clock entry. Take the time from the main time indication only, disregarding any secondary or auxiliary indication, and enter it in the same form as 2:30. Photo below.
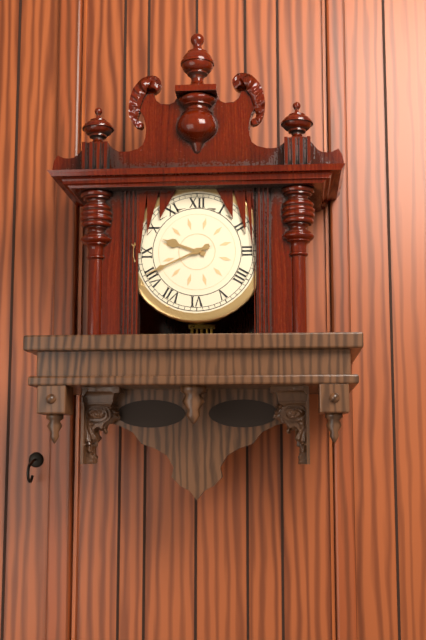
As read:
9:41
